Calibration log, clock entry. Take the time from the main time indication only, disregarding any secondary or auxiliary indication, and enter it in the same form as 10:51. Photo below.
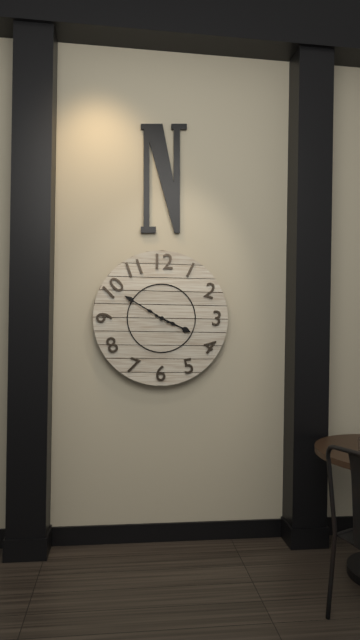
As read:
3:50
